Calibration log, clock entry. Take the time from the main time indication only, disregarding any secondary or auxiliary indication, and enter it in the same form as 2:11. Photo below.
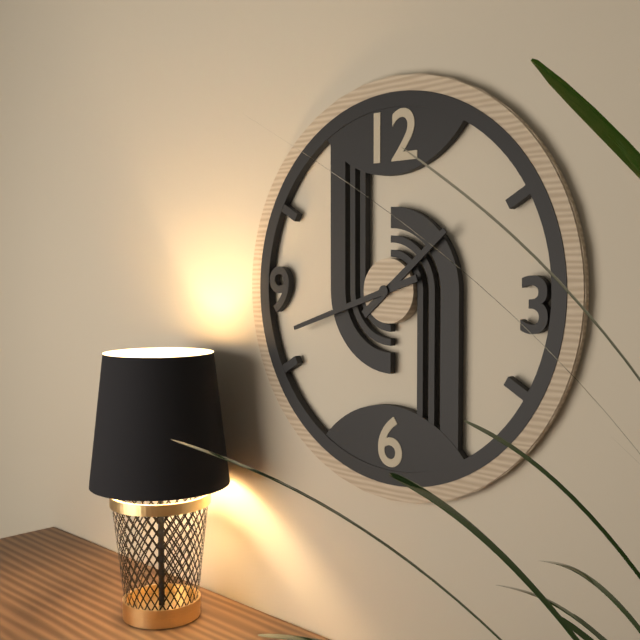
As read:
1:42
